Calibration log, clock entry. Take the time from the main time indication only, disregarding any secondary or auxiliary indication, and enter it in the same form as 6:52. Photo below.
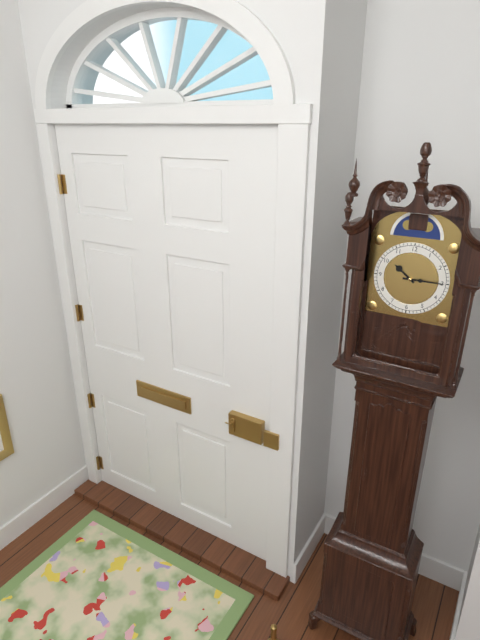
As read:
10:15
